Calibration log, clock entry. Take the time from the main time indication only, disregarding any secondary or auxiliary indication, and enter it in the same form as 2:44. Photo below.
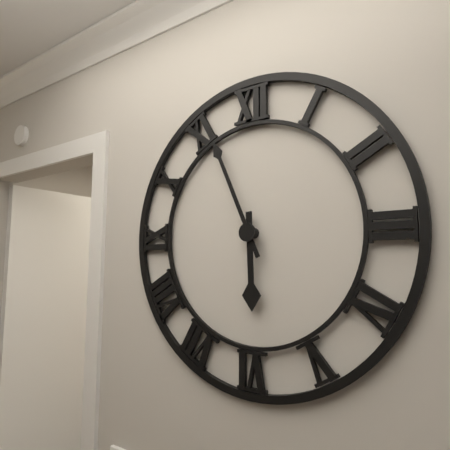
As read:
5:56
